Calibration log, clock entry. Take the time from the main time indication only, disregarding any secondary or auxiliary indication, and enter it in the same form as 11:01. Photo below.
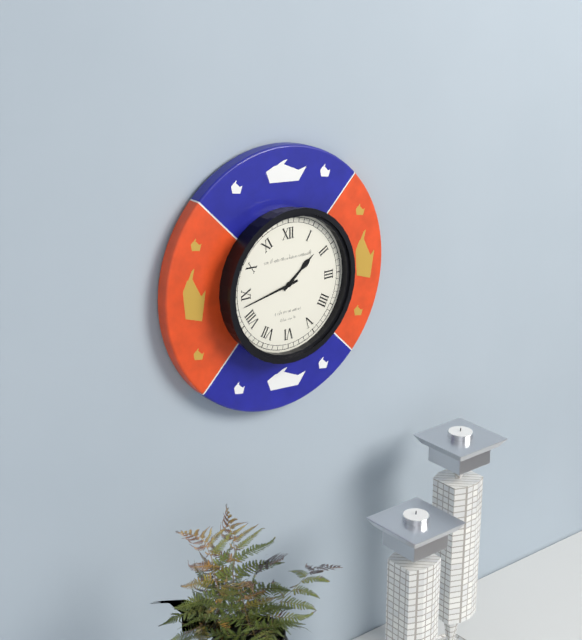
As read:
1:43
